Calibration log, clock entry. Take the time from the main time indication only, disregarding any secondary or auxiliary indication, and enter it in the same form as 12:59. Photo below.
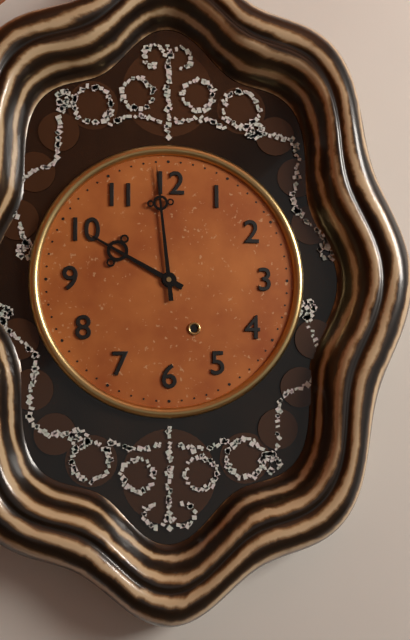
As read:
9:59
